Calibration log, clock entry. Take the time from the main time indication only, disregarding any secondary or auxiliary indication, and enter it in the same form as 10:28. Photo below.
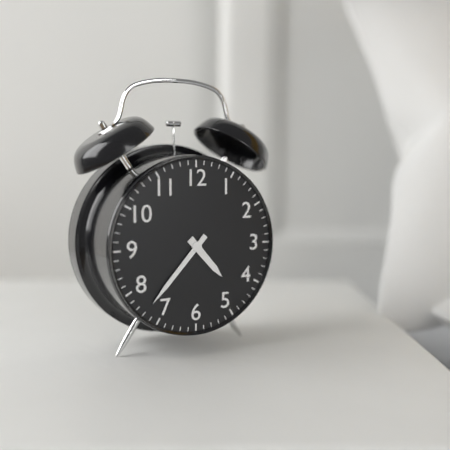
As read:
4:37
